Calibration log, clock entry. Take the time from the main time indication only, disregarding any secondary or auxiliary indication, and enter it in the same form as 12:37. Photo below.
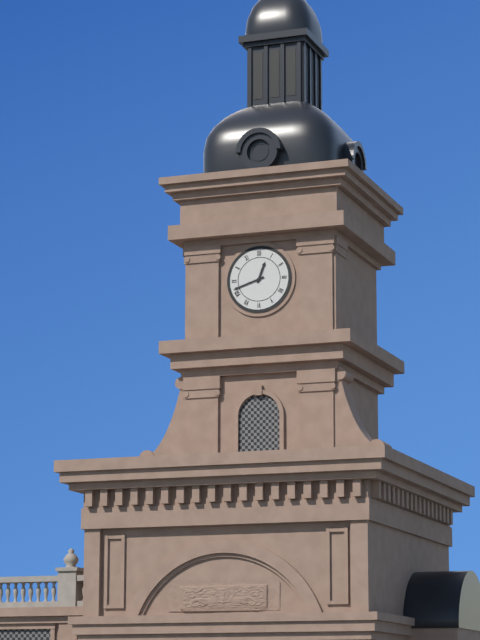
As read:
12:42
